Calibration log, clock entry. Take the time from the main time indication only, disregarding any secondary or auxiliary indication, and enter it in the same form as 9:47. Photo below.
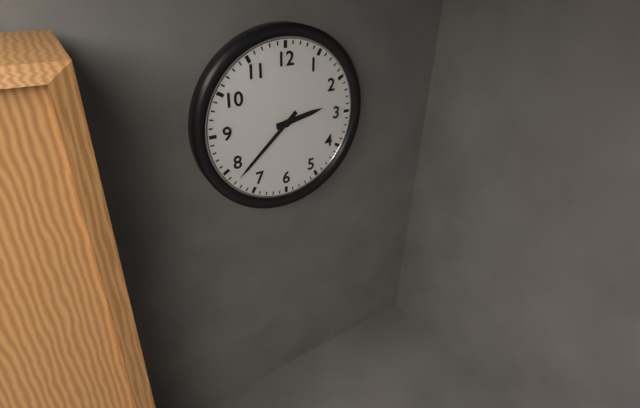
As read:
2:38
